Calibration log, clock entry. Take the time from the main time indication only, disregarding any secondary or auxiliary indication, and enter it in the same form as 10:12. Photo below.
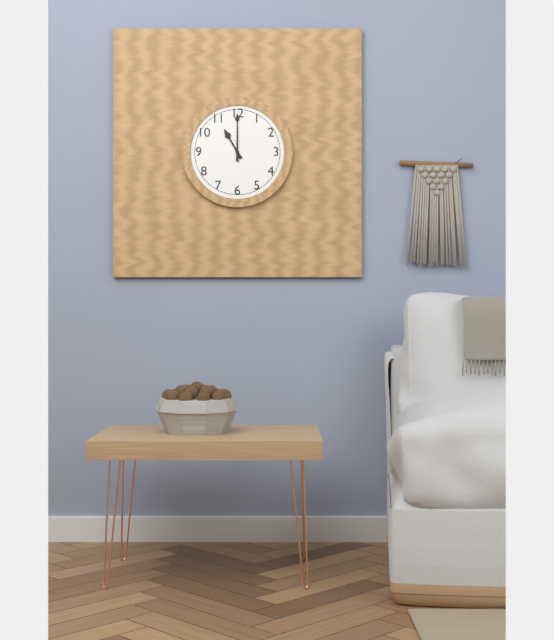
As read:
11:00
